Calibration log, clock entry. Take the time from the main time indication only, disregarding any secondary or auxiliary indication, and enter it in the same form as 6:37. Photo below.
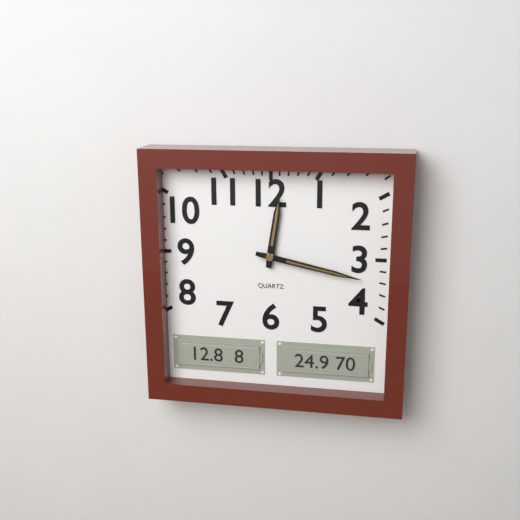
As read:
12:17
